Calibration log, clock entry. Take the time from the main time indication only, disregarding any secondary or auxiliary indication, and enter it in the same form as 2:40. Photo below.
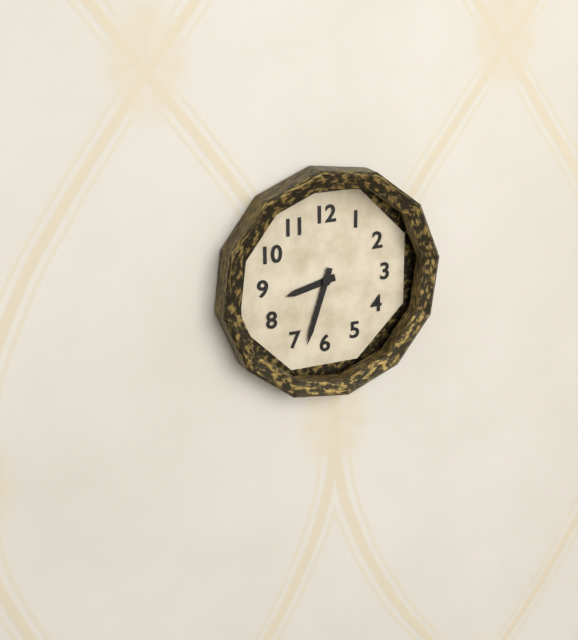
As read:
8:33
